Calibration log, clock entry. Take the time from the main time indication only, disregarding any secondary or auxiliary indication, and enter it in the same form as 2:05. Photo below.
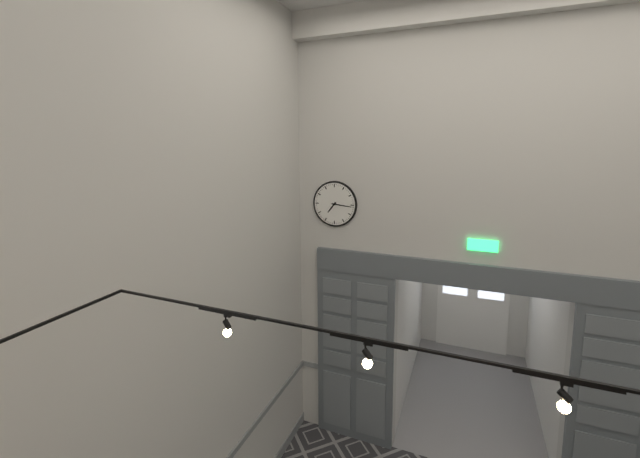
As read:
7:16
